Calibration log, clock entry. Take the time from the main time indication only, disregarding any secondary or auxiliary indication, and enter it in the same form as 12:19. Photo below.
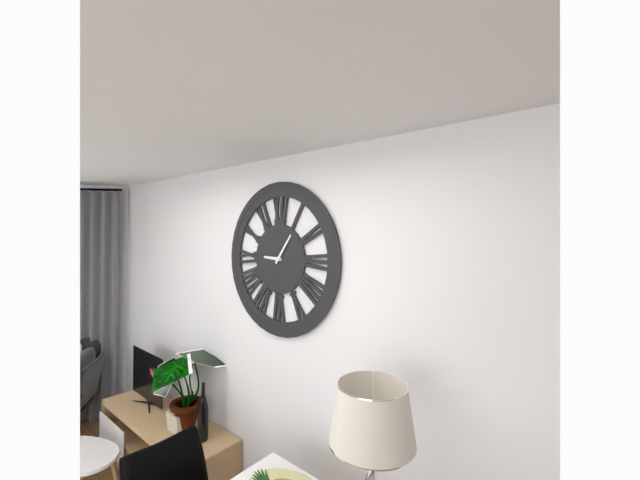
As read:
9:06
